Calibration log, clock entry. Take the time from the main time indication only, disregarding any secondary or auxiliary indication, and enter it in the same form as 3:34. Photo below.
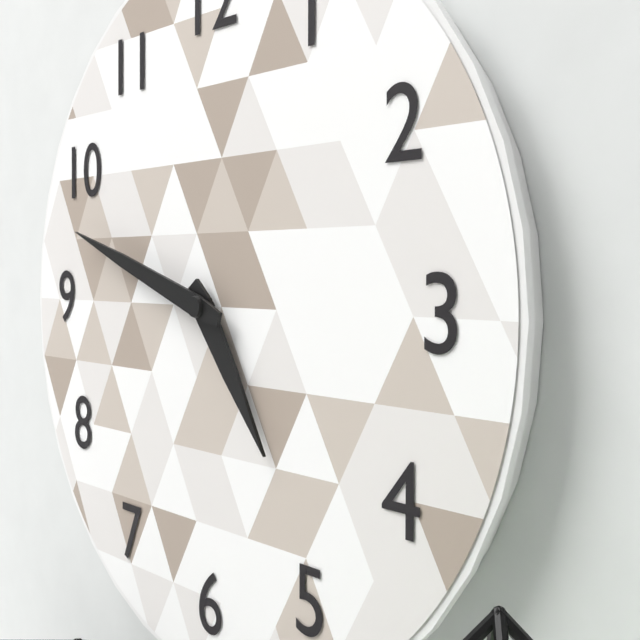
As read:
4:48
